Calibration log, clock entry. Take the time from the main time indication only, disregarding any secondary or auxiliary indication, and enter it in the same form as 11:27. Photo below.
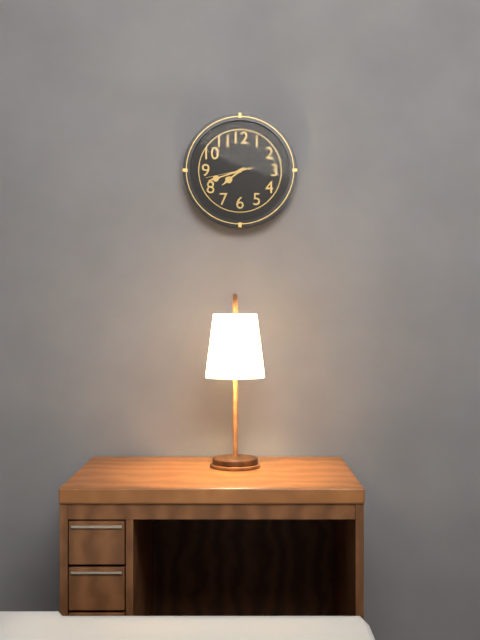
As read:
7:42
